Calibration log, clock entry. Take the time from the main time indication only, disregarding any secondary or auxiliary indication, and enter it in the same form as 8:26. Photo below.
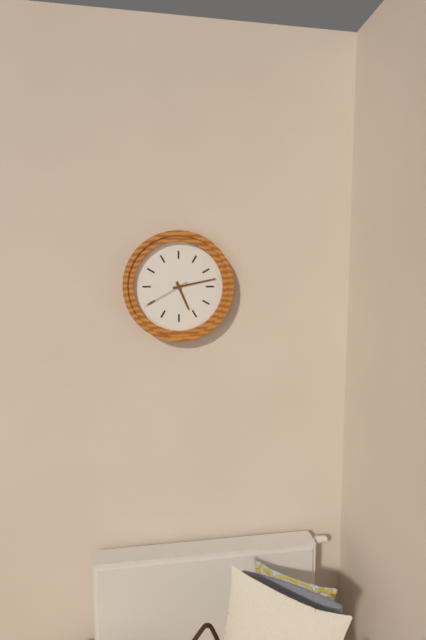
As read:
5:13
